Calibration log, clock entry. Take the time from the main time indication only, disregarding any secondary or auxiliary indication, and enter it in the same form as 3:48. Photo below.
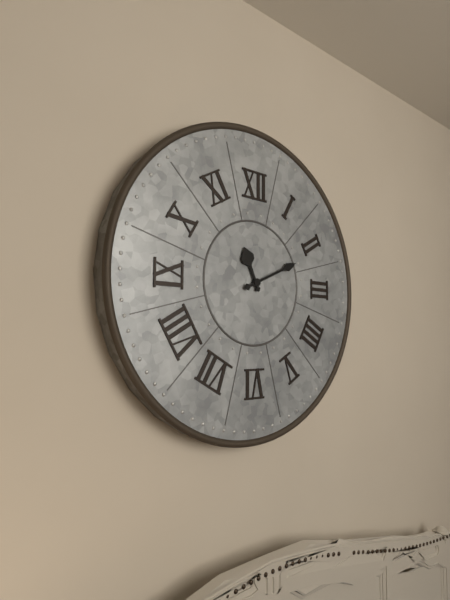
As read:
11:11
